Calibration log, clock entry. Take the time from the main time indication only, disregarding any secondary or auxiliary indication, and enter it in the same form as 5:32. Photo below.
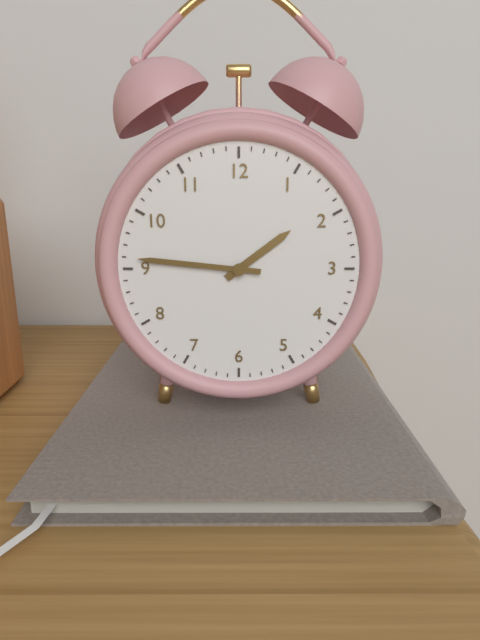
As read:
1:46
